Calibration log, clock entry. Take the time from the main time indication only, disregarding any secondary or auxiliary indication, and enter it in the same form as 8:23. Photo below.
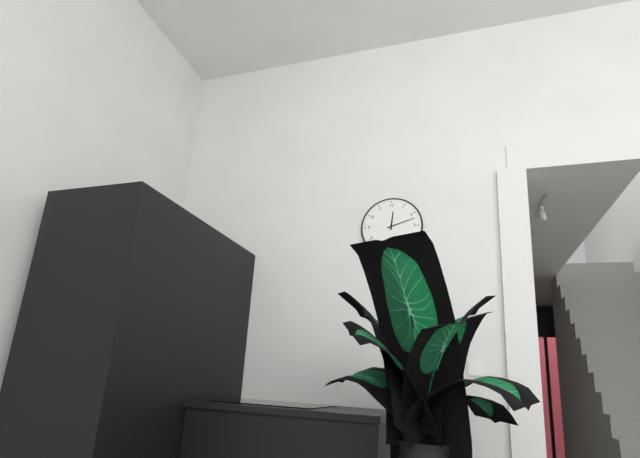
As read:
12:12
